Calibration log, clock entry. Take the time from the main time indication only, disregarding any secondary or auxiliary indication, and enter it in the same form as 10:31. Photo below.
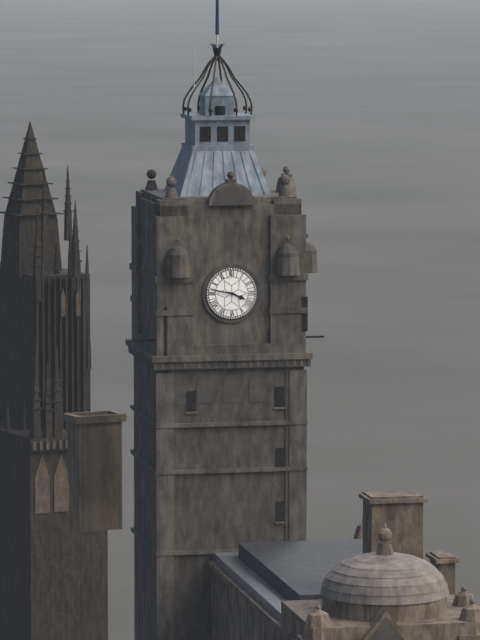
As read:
3:47
